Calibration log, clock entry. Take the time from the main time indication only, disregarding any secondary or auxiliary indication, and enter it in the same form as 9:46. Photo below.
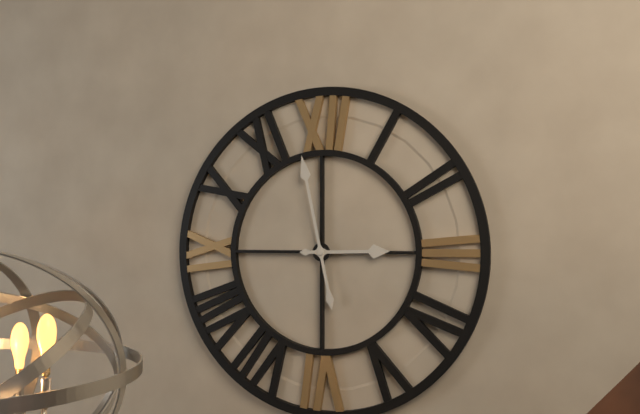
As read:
2:58
